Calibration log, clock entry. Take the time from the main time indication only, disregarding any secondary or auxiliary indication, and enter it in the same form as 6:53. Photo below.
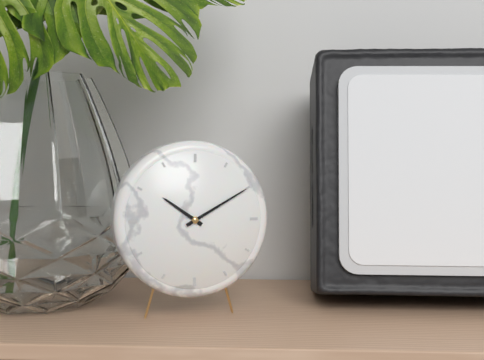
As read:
10:10
